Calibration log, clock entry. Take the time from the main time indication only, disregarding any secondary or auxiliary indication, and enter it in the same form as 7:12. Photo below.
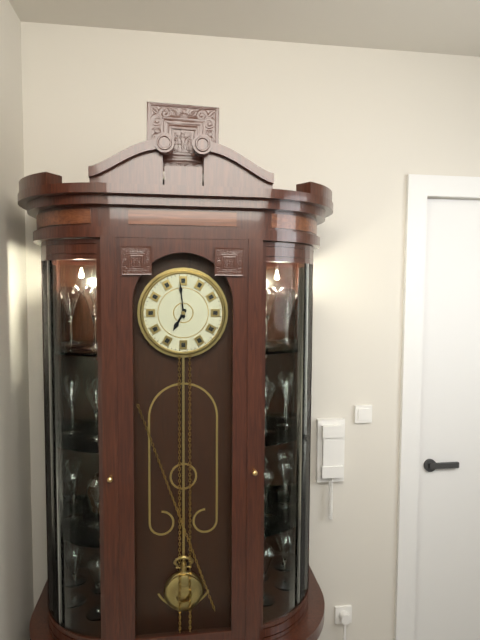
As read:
6:59
